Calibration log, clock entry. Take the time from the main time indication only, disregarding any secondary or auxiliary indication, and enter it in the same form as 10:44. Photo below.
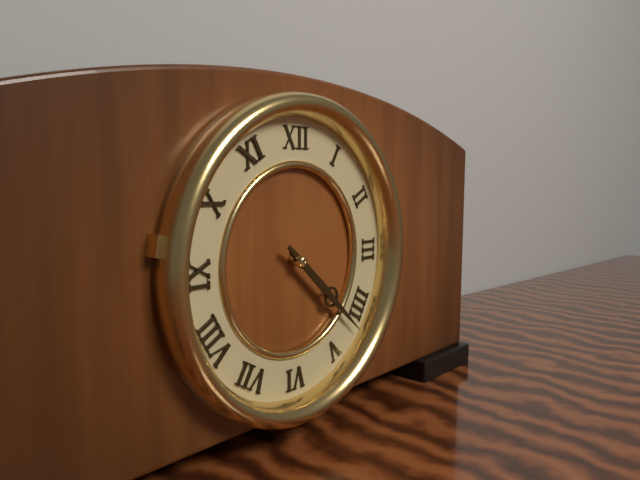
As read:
4:22
